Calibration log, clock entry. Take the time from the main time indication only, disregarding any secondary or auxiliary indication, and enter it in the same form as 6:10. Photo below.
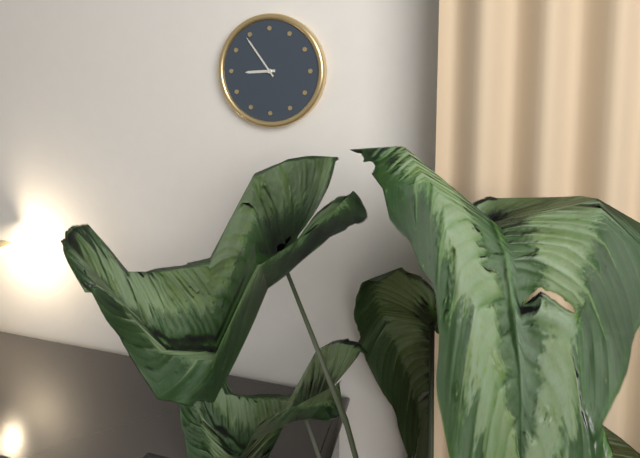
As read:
8:54
